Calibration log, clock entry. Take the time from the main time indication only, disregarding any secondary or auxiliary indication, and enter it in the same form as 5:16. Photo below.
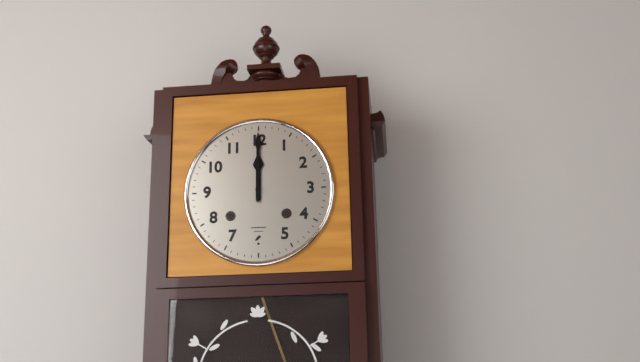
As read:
12:00
